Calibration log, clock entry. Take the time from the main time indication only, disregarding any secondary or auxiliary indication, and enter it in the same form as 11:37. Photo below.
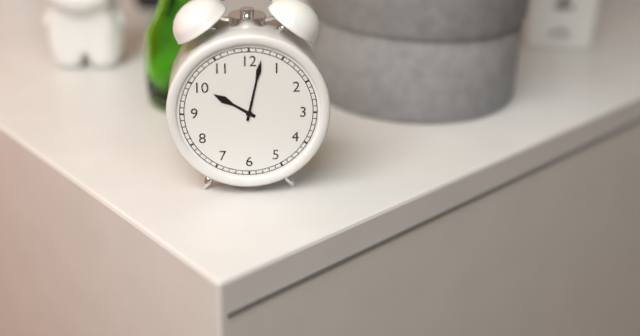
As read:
10:02
